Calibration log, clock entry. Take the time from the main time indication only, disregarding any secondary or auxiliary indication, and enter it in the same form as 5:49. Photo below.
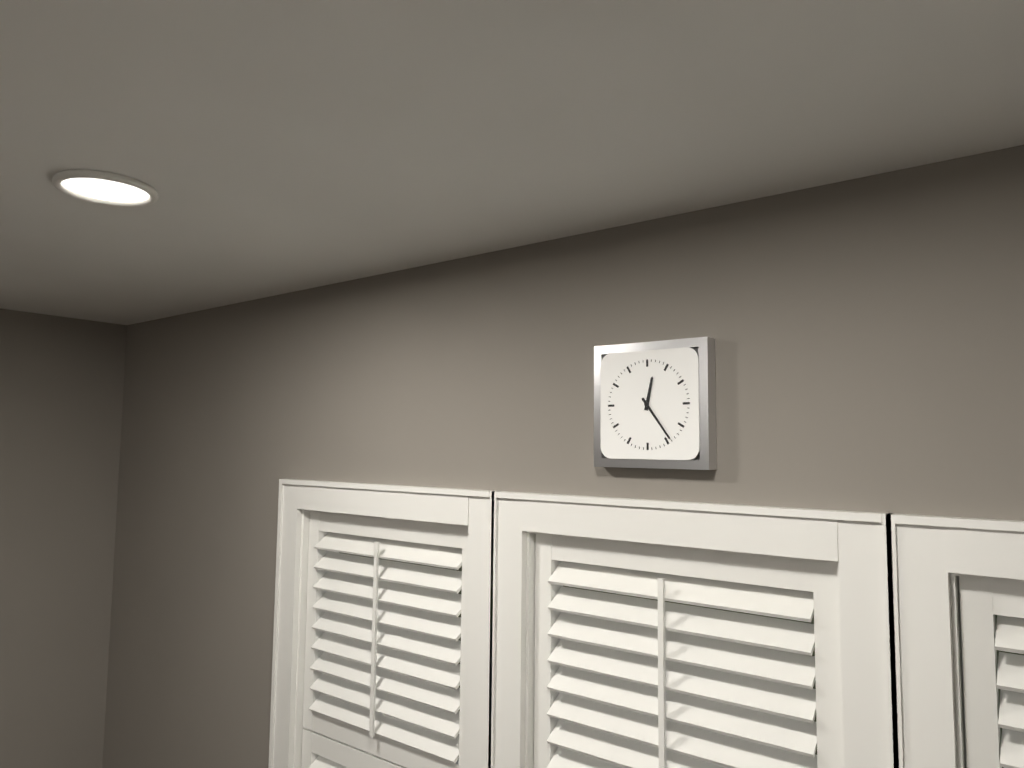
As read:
12:24
